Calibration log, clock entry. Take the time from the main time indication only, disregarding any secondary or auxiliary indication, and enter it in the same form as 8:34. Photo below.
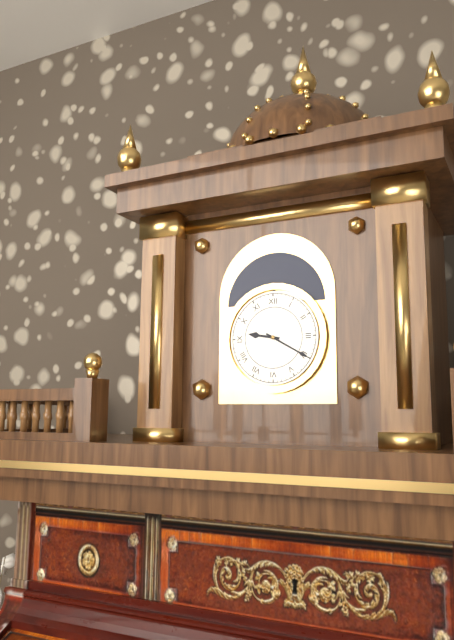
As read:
9:20
